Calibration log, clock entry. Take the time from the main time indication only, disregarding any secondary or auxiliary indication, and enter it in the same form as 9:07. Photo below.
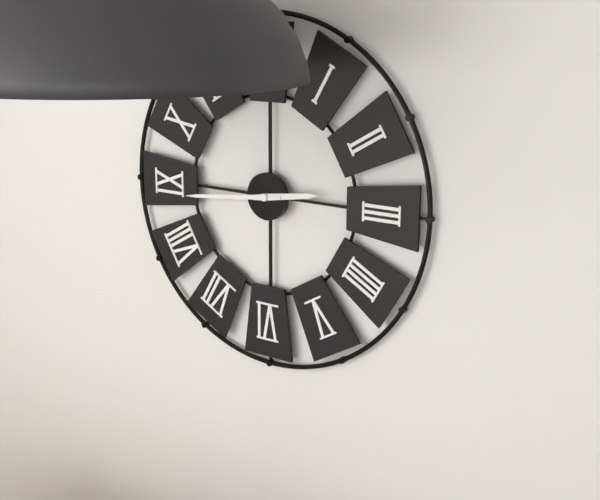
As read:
2:44
